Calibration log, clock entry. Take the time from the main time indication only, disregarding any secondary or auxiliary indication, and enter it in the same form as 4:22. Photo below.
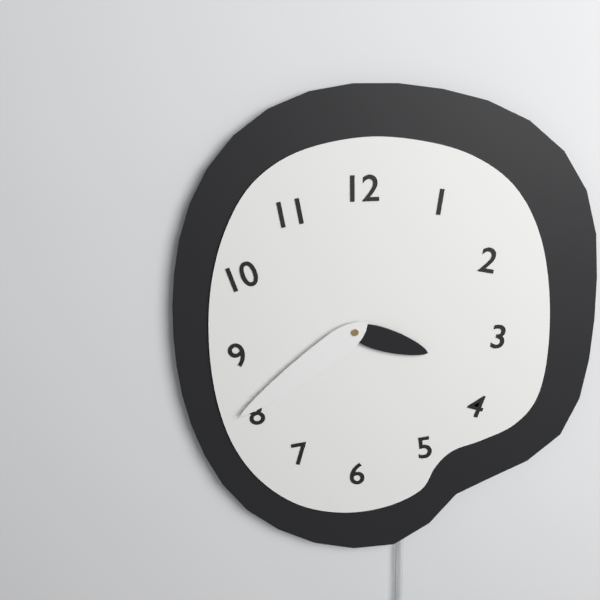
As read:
3:39
